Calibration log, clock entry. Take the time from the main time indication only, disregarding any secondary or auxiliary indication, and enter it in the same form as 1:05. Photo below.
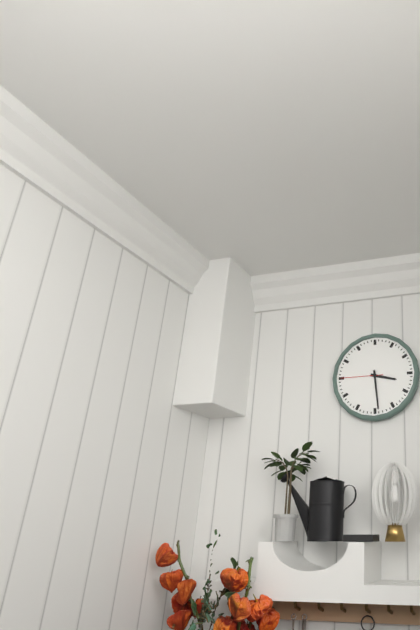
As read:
3:29
